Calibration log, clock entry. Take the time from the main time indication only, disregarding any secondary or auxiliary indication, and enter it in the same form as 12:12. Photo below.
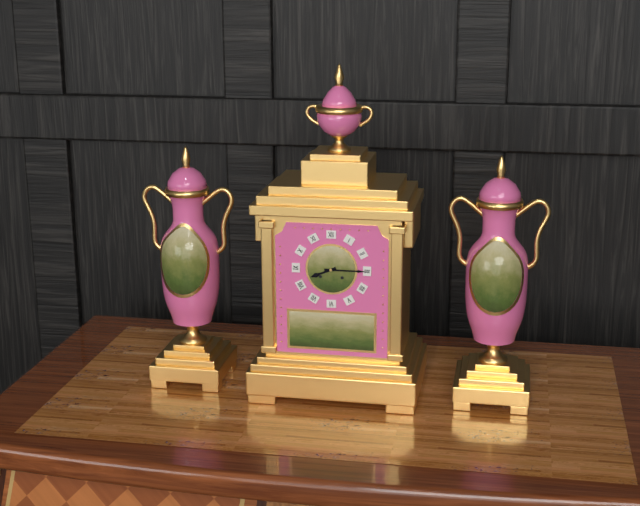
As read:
8:15
